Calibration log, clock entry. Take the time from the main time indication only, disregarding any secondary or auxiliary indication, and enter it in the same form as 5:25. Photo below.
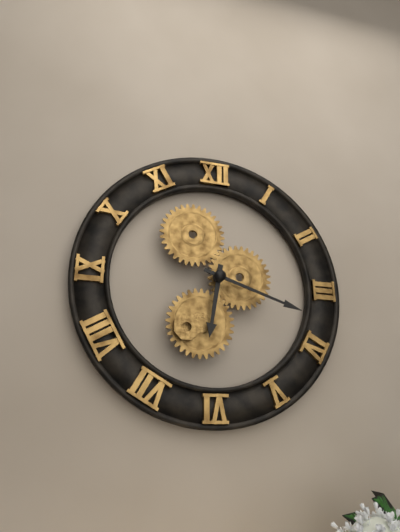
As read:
6:18
